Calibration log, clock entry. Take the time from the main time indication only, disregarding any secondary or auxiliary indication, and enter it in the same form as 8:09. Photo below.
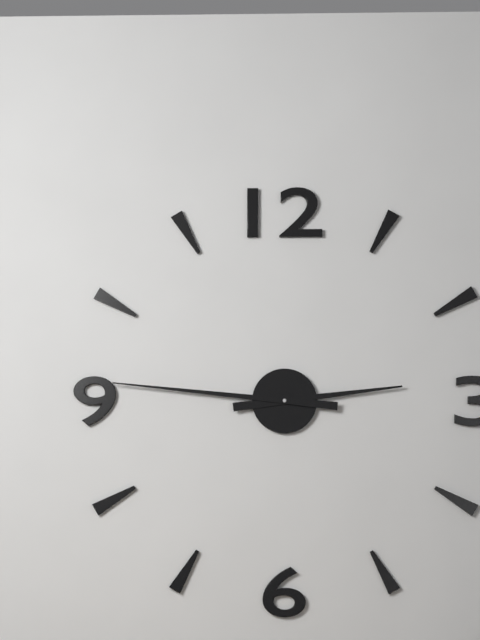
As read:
2:46
